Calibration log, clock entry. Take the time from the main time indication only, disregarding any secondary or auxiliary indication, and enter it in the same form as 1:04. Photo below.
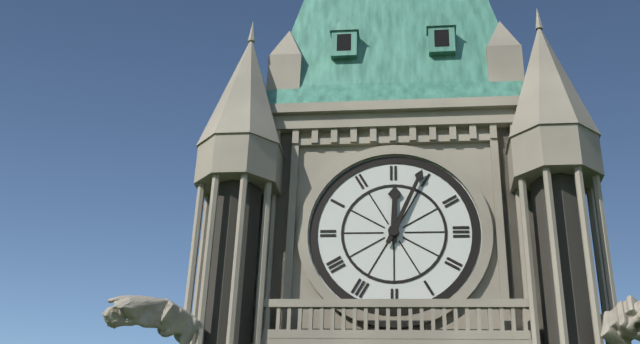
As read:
12:04
